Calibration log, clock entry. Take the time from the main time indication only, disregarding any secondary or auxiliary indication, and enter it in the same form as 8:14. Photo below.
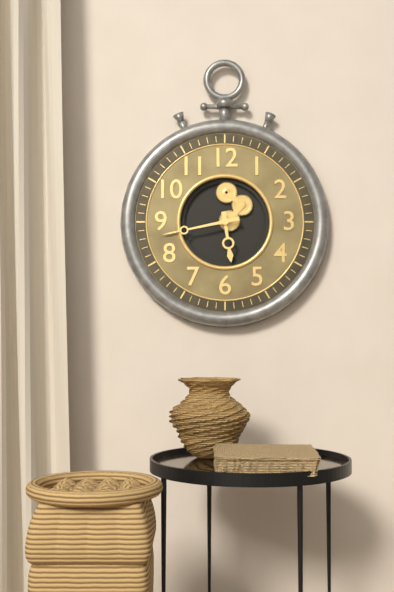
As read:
5:43
